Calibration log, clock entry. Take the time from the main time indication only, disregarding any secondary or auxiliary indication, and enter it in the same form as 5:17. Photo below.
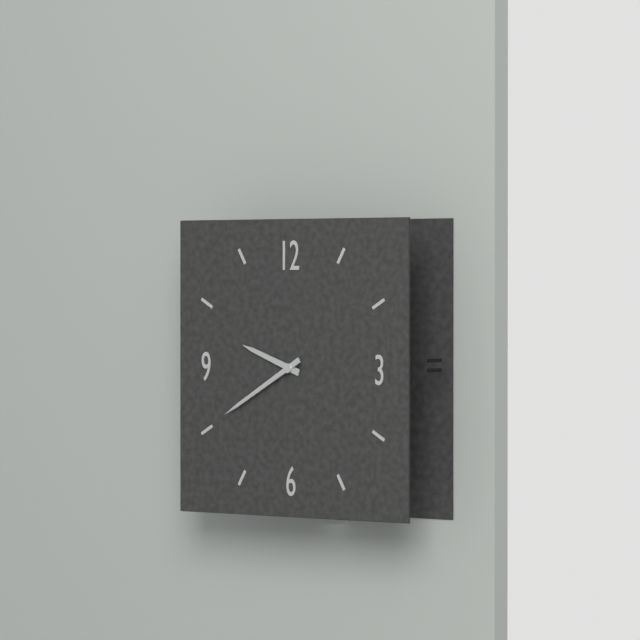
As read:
9:40
